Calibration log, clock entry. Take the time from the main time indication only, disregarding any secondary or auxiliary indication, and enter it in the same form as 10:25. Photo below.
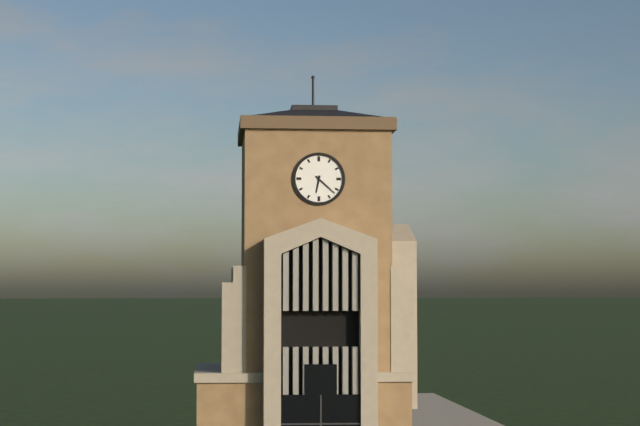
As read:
6:22
